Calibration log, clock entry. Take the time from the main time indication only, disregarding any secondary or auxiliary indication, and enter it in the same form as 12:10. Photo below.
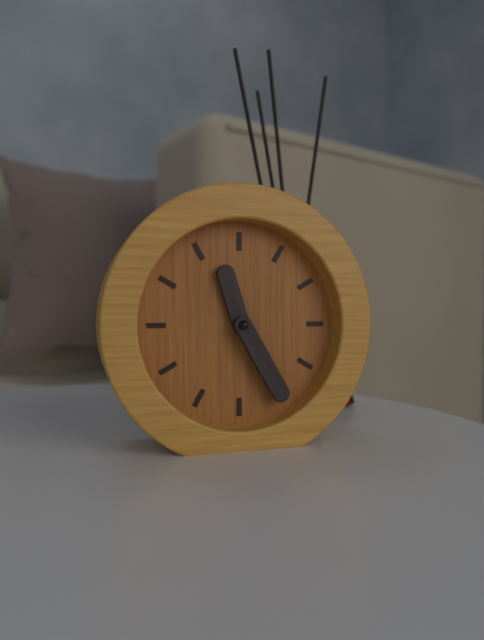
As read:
11:25
